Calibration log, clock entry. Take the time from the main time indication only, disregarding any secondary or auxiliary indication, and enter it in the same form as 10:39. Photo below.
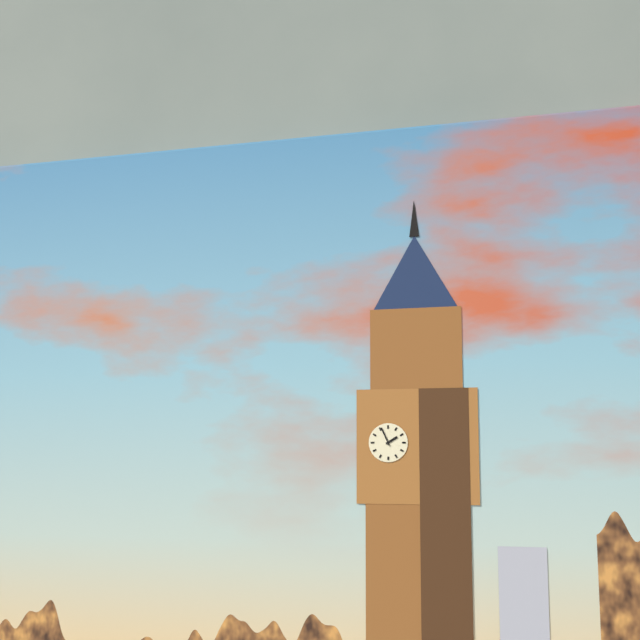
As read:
1:56
